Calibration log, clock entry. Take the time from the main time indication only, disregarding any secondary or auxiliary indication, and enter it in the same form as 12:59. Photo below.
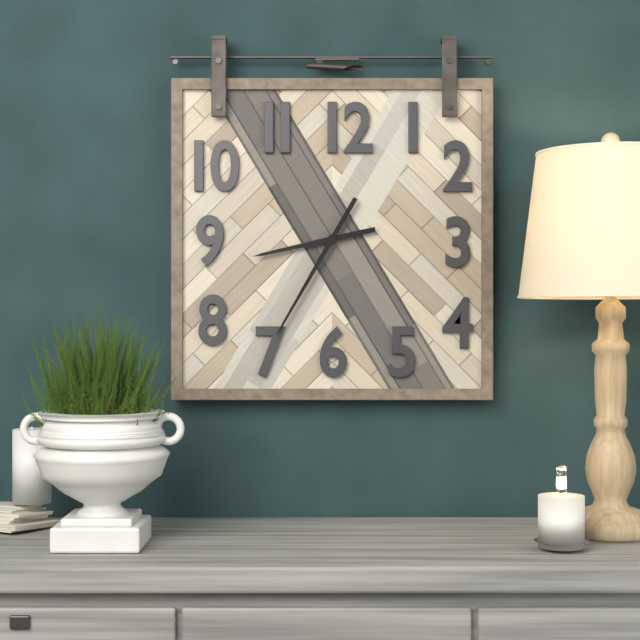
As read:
8:35
